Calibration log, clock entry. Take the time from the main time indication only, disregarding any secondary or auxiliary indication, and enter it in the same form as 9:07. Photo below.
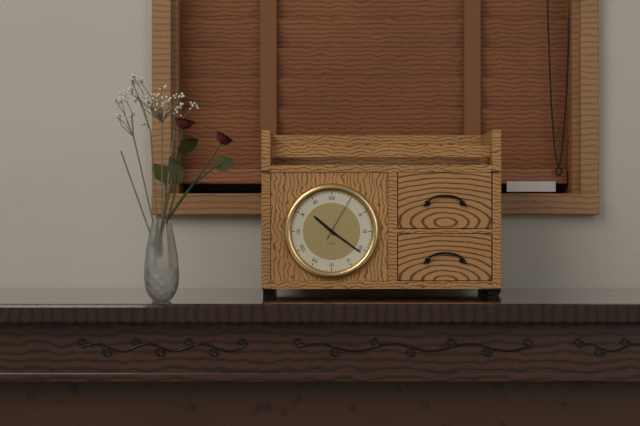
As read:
10:21
